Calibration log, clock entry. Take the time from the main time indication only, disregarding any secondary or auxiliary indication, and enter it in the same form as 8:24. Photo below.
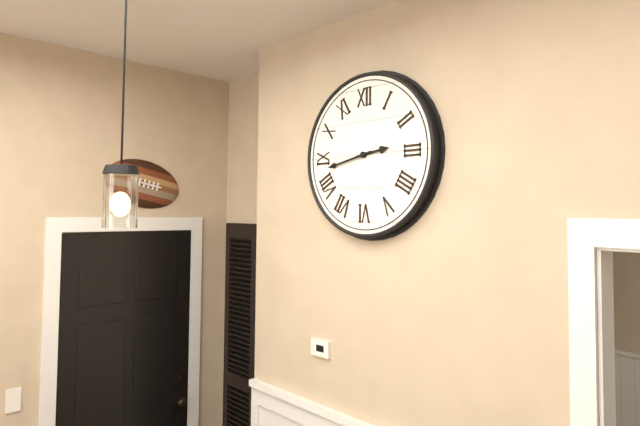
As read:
2:43
